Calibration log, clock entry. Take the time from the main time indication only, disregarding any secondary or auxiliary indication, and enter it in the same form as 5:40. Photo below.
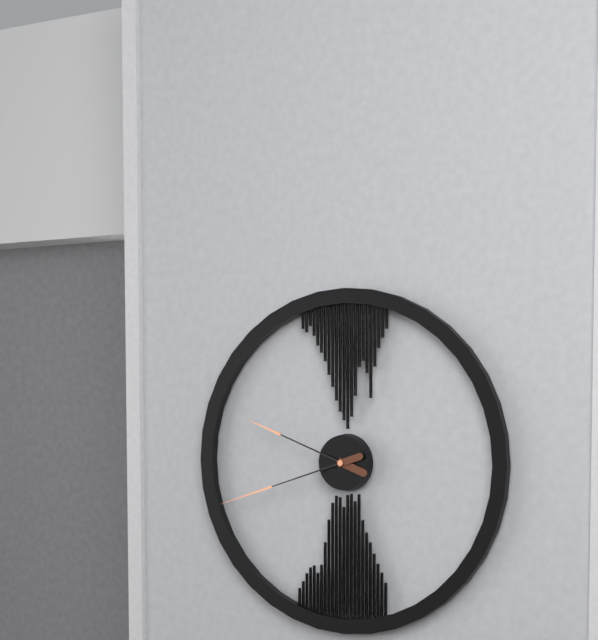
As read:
9:42
